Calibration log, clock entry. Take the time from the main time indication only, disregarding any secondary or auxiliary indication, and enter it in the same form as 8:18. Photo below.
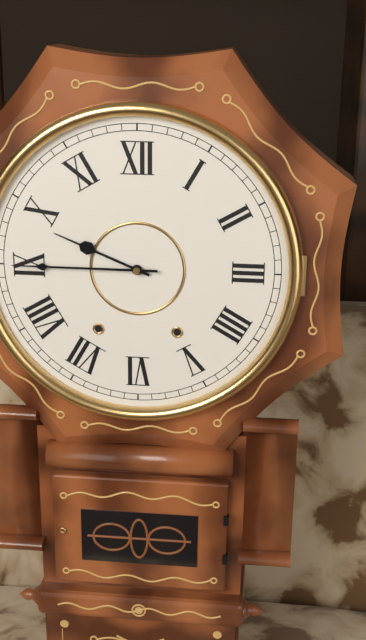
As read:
9:45
